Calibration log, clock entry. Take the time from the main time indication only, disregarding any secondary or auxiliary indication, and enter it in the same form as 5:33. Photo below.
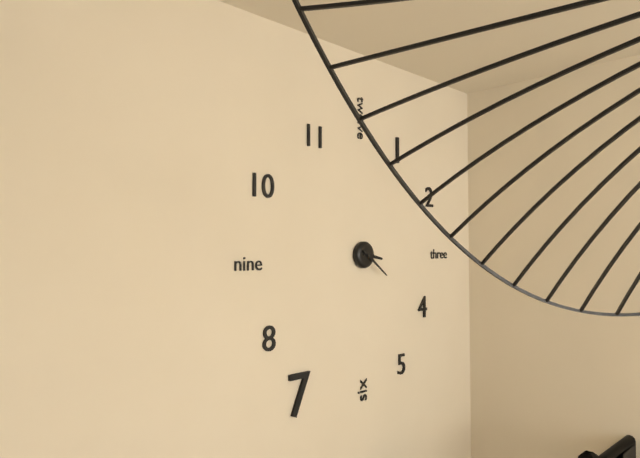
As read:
3:21
